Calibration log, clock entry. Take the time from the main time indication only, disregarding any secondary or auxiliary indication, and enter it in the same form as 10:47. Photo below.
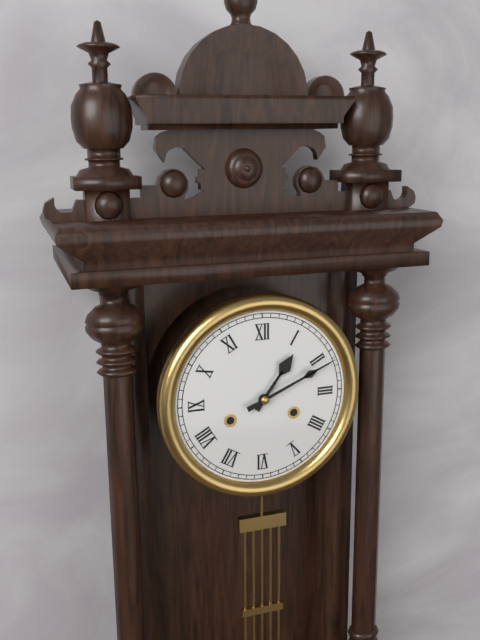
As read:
1:11
